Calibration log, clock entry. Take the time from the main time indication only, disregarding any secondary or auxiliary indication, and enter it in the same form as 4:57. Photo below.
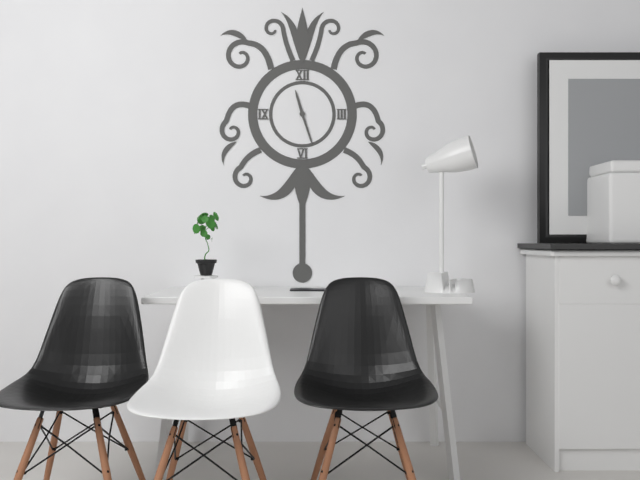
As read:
11:27
